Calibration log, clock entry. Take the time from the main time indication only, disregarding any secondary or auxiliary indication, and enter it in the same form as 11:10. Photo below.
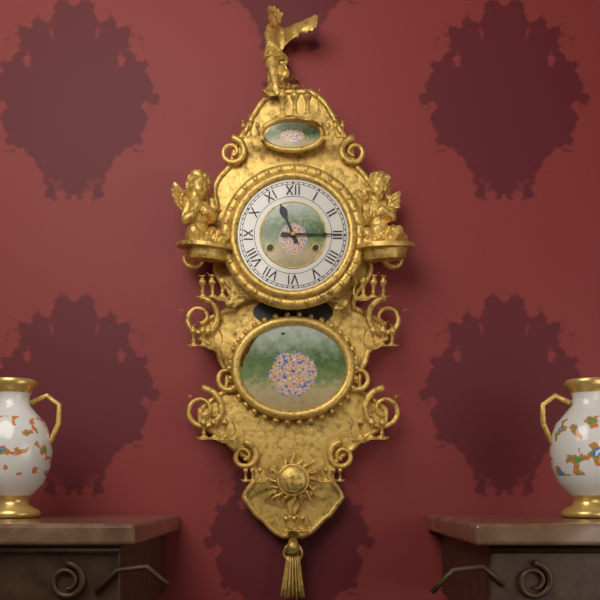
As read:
11:15
